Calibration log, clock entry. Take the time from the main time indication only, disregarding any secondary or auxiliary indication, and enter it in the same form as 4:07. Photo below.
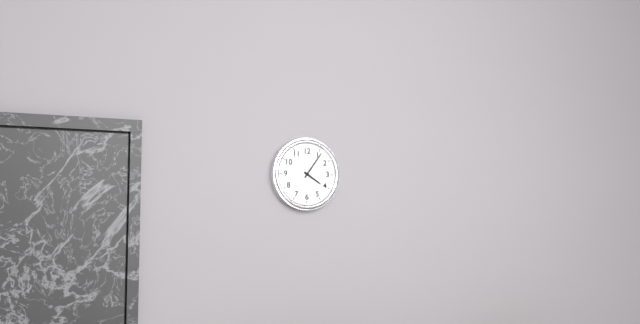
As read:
4:06
